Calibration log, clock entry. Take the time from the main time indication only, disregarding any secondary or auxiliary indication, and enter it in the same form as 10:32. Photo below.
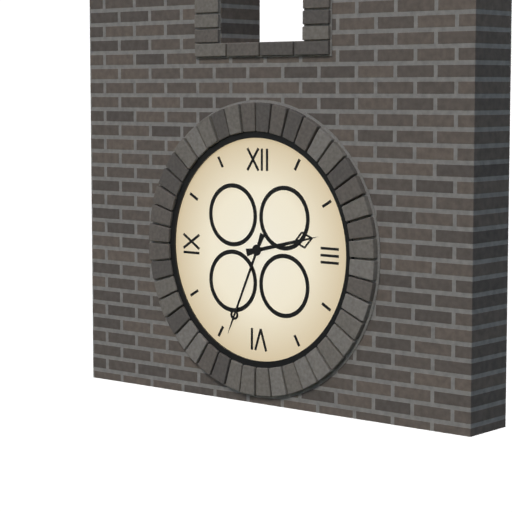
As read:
2:34
